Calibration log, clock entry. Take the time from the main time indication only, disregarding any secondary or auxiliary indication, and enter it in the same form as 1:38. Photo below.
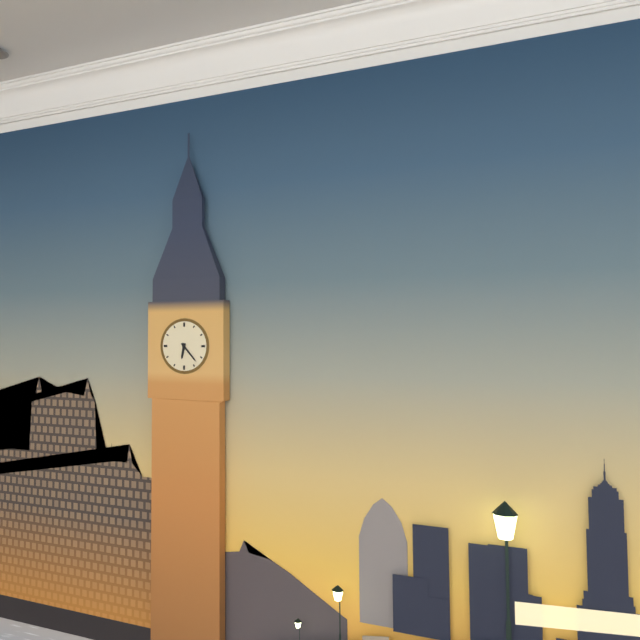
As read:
6:23
